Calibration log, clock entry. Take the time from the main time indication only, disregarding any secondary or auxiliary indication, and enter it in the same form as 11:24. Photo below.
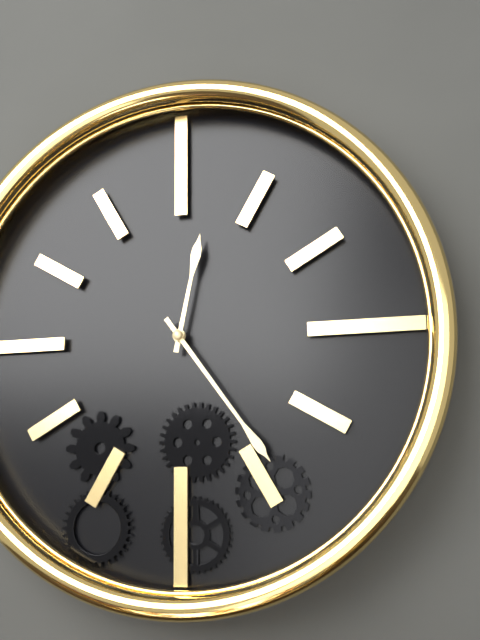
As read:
12:24
